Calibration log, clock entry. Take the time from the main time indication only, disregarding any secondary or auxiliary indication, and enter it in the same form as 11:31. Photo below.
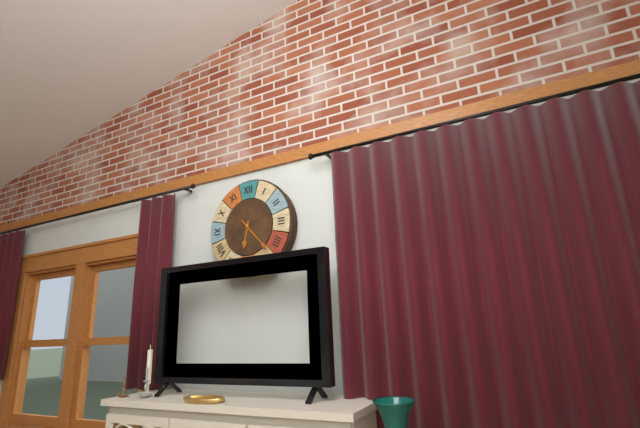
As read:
6:23
